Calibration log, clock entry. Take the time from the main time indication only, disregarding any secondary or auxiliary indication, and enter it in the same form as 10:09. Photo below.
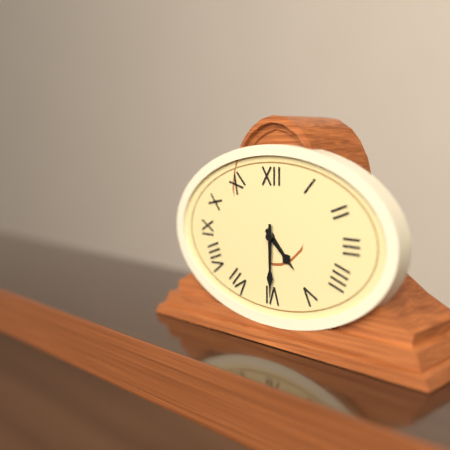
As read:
4:30
